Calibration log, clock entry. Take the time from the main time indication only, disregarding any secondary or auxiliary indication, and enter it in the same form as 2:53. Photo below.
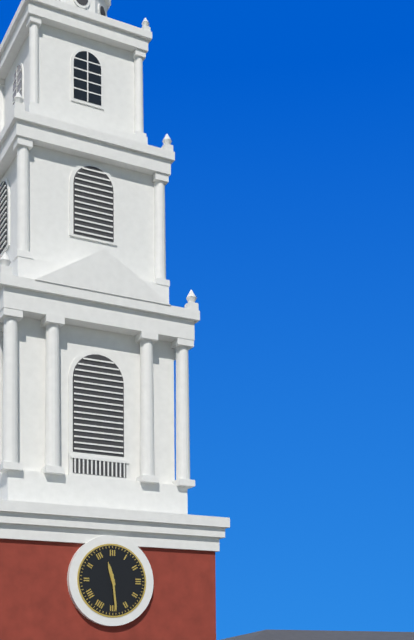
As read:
11:29
